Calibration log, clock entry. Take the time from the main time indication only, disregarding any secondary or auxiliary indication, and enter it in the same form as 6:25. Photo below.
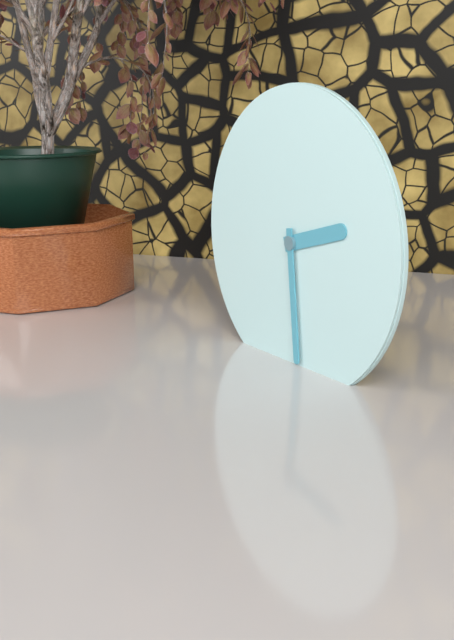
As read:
2:29
